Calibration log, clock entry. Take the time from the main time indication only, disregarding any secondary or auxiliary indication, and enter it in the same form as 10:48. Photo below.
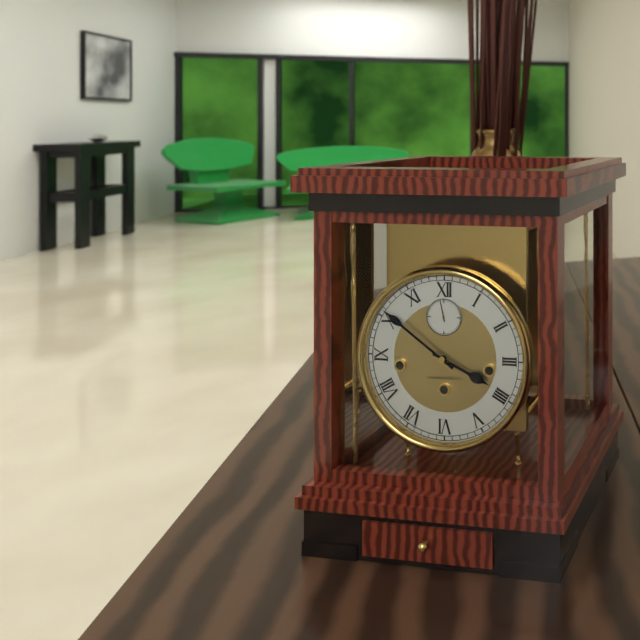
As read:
3:51
